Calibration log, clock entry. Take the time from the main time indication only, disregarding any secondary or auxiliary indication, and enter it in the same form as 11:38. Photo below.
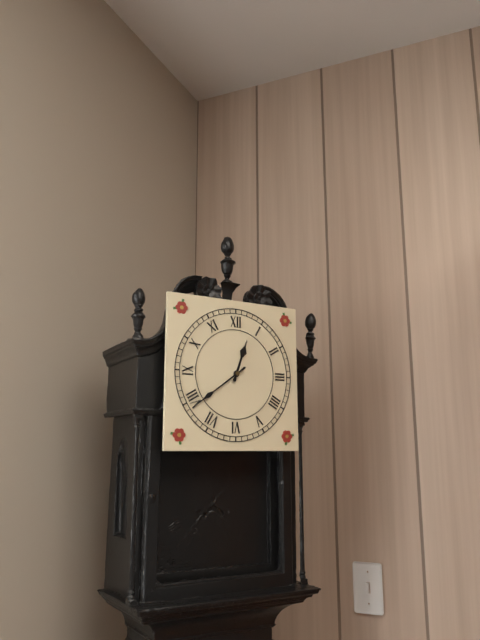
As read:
12:39
